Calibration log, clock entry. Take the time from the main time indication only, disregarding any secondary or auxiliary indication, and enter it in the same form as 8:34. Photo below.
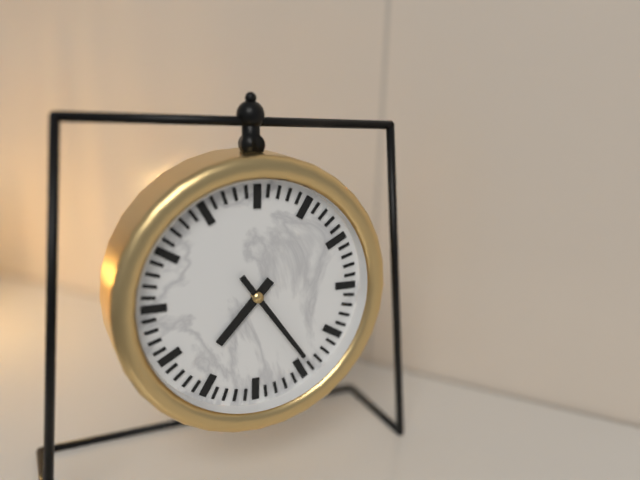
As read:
7:24
